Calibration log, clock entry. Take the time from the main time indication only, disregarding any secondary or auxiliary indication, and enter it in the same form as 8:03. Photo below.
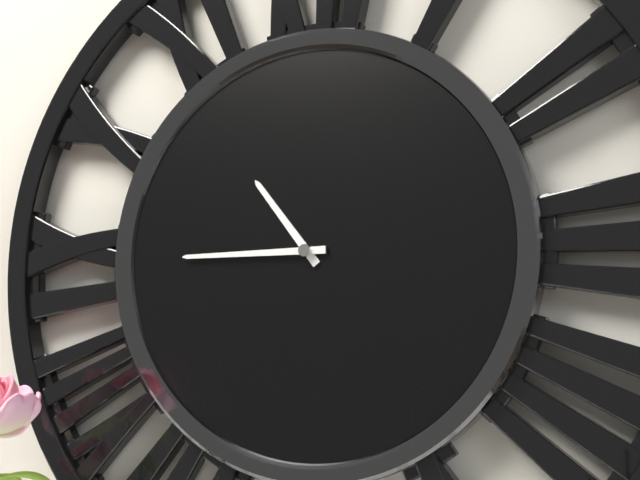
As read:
10:45
